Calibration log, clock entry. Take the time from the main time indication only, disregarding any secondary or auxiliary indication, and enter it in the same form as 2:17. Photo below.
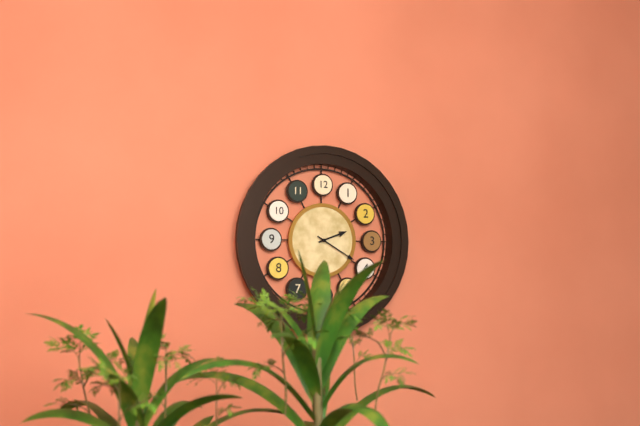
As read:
2:20
